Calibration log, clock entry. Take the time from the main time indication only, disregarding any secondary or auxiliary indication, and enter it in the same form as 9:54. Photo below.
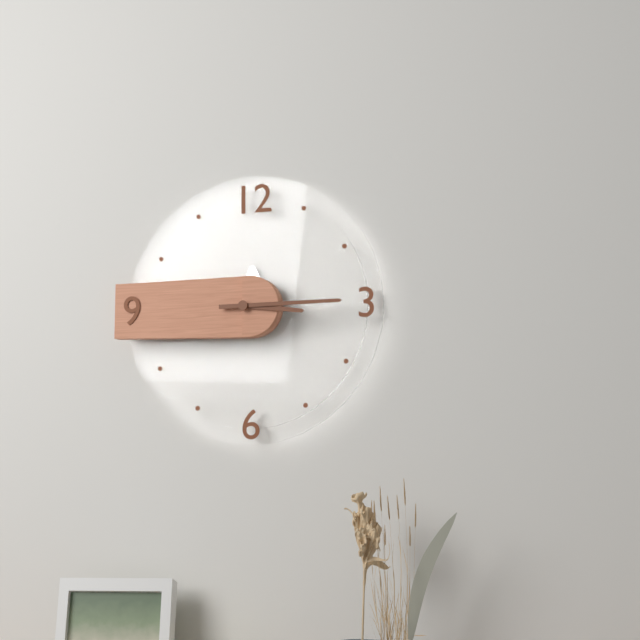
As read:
3:15
